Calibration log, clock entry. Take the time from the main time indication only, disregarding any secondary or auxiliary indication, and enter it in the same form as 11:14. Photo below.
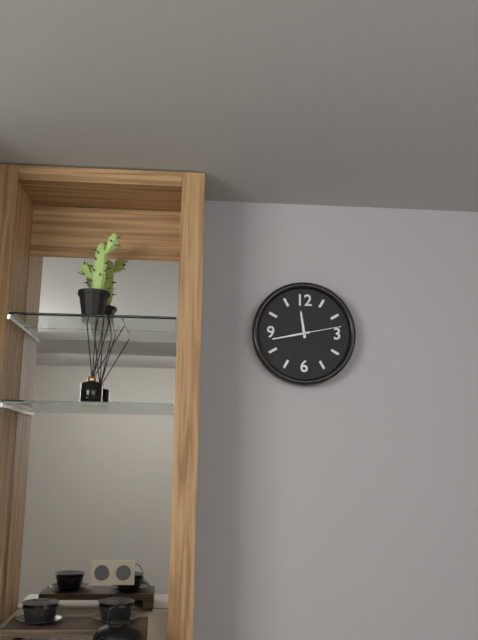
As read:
11:43
